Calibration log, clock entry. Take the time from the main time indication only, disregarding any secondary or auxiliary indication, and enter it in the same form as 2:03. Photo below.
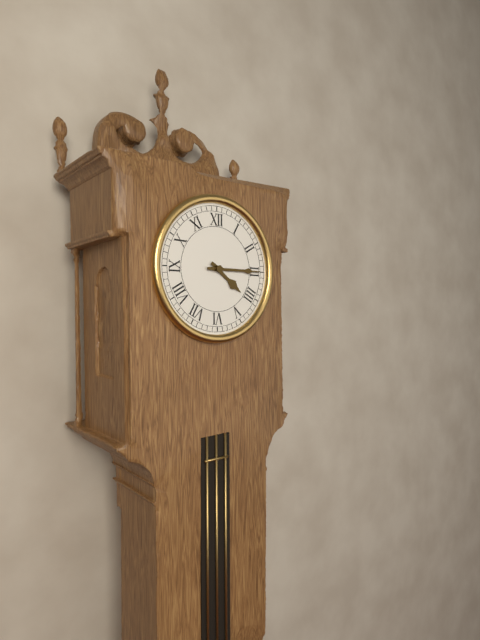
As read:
4:15
